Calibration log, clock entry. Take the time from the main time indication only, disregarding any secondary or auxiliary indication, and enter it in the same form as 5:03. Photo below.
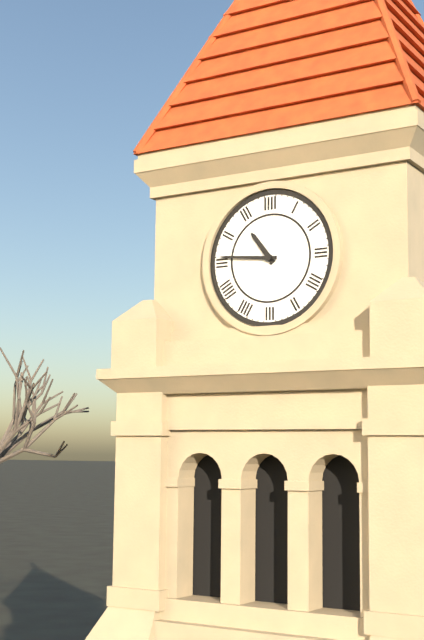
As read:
10:46
